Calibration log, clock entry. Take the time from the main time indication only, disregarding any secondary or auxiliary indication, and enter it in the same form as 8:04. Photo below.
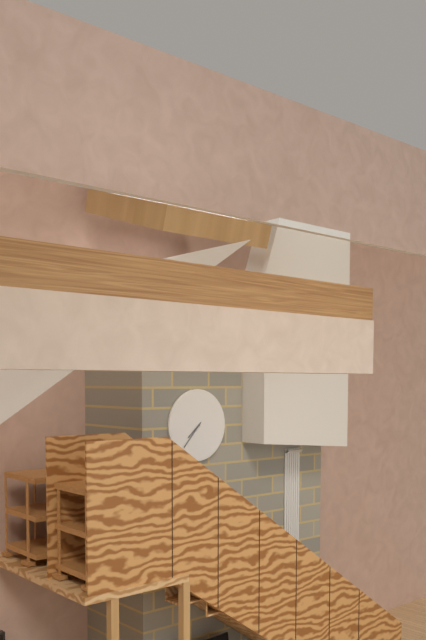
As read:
7:37
